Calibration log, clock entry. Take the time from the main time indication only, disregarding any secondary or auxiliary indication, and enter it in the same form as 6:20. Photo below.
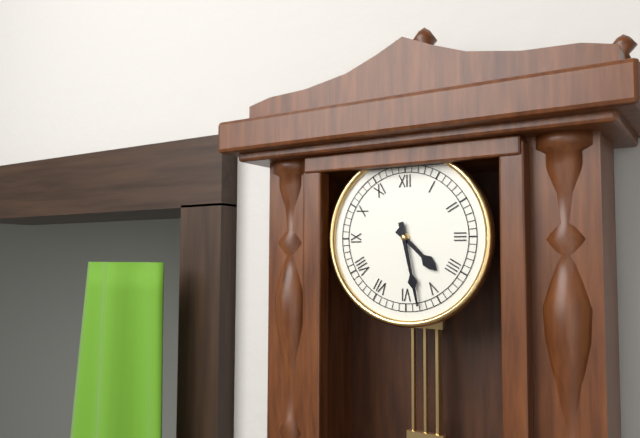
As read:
4:28
